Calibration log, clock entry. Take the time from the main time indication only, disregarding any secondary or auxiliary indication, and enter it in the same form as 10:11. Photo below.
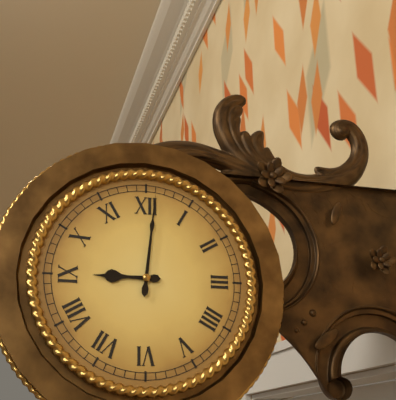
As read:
9:01
